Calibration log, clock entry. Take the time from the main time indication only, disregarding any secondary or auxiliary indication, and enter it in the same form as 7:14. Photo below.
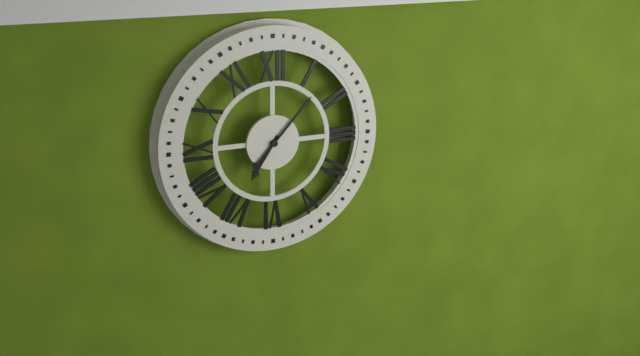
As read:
7:07
